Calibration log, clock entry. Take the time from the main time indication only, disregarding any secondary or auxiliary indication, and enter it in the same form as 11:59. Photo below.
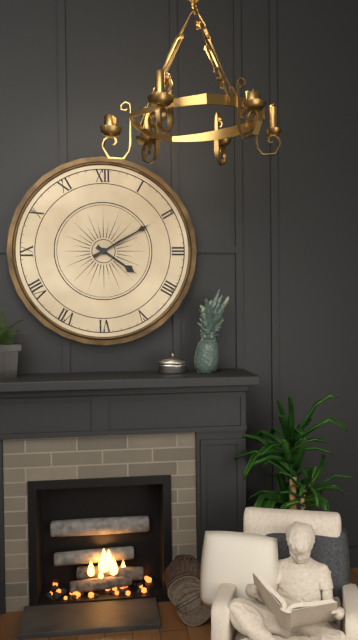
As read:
4:10
